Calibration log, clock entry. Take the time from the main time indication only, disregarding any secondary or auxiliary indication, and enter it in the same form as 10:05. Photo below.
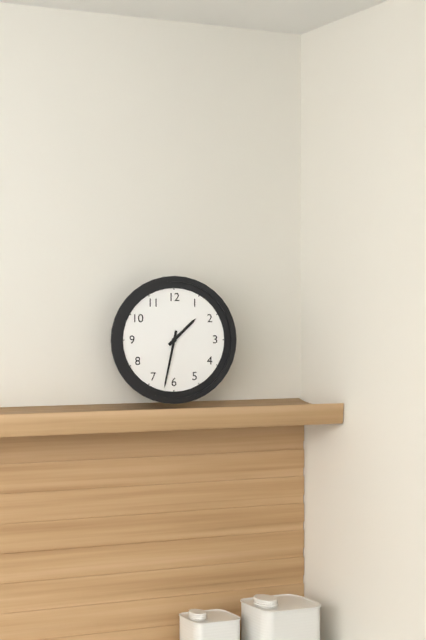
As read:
1:32
